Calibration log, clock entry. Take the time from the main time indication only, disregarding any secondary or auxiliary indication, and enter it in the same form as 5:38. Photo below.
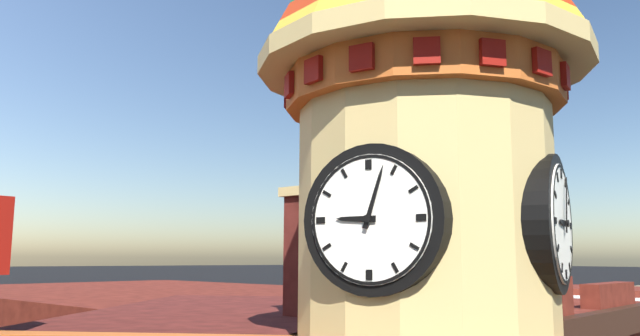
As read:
9:03
